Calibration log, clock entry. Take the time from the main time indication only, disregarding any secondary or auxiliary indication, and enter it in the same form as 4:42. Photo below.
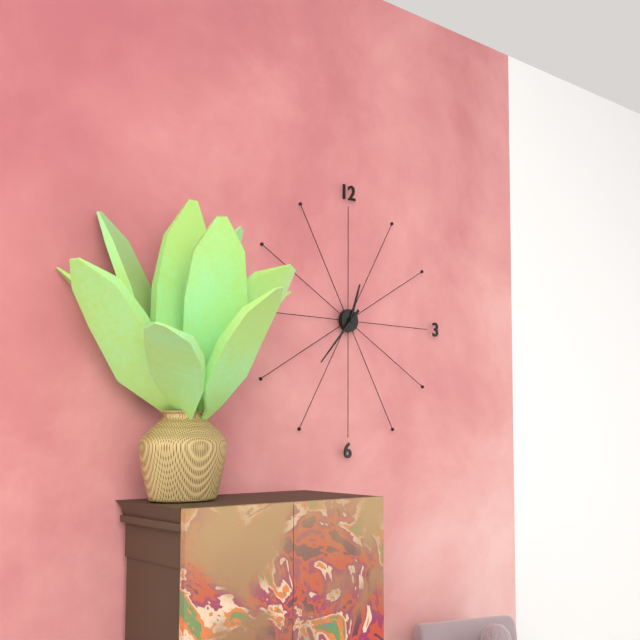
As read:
12:37
